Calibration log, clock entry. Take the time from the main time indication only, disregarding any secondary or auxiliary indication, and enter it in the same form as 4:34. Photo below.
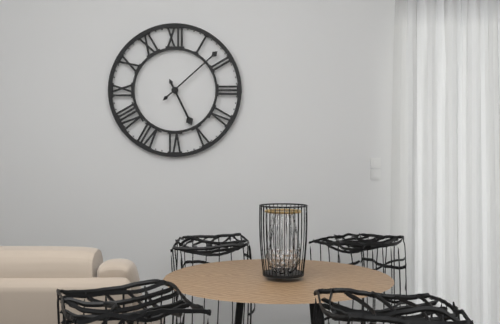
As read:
5:08
